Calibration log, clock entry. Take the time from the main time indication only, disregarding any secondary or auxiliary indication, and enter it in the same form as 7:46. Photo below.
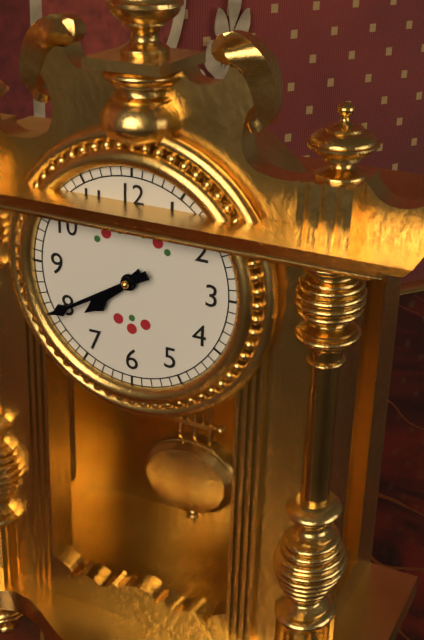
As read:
7:40
